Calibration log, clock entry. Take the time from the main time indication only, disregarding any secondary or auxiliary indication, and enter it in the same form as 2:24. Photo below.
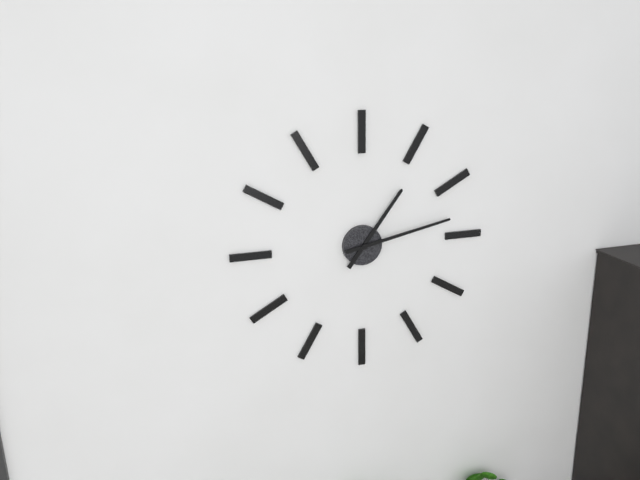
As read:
1:13
